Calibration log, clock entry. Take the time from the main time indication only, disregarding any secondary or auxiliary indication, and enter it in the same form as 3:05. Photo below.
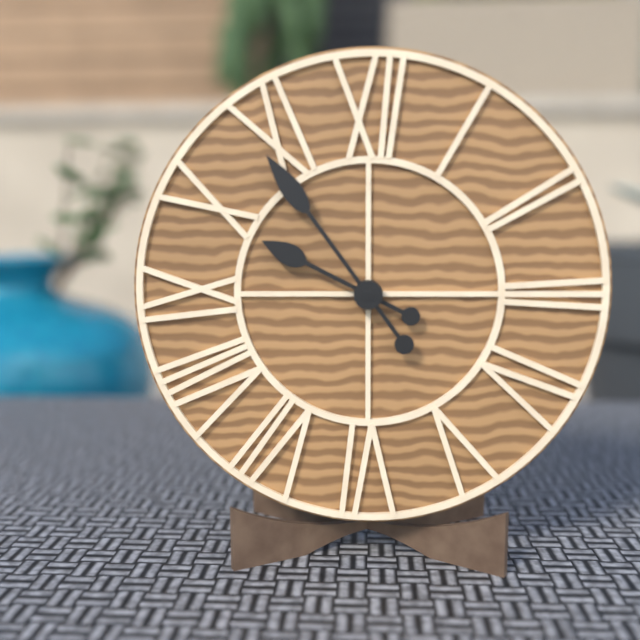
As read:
9:54
